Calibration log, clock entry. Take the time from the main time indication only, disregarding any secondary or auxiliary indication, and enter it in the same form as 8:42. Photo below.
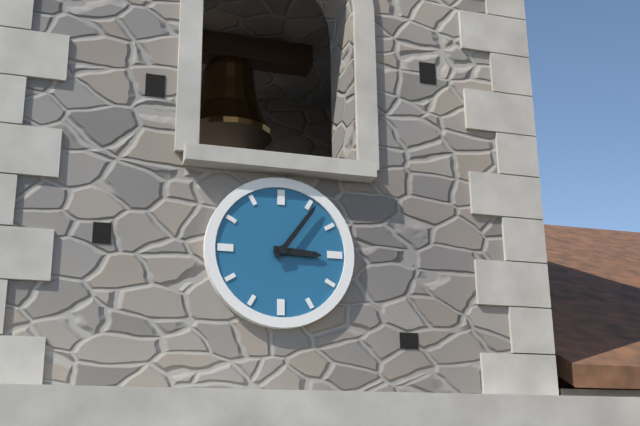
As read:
3:06
